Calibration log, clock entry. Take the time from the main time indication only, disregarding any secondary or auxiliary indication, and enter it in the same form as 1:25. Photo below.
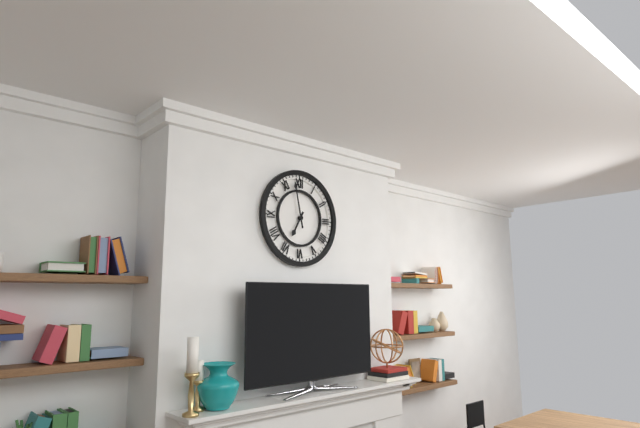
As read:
6:58
